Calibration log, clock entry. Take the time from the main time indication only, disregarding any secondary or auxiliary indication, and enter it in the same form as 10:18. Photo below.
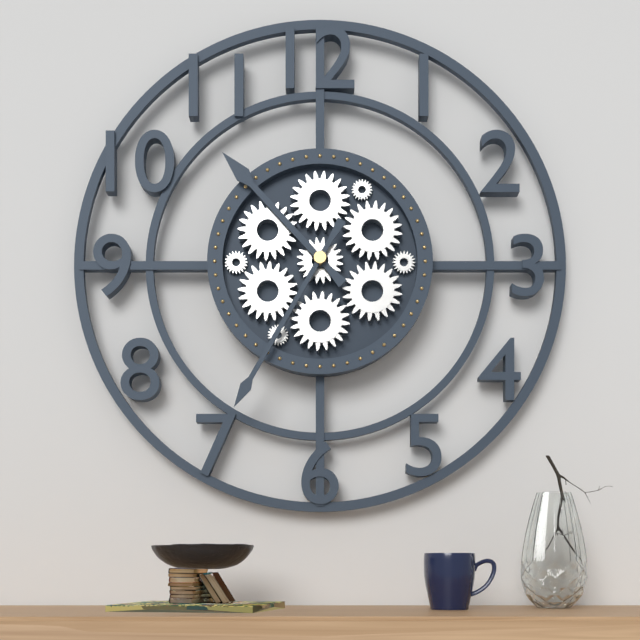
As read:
10:35
